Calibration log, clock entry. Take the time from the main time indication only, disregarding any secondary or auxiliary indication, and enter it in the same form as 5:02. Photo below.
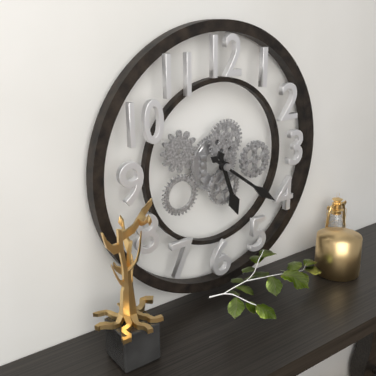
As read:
5:21
